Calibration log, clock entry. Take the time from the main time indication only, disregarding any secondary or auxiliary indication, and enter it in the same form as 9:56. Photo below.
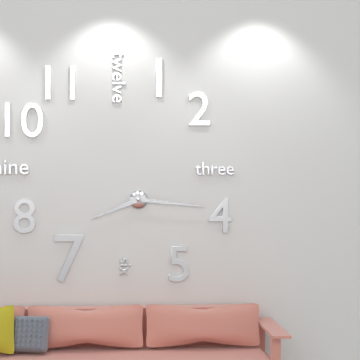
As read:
8:16
